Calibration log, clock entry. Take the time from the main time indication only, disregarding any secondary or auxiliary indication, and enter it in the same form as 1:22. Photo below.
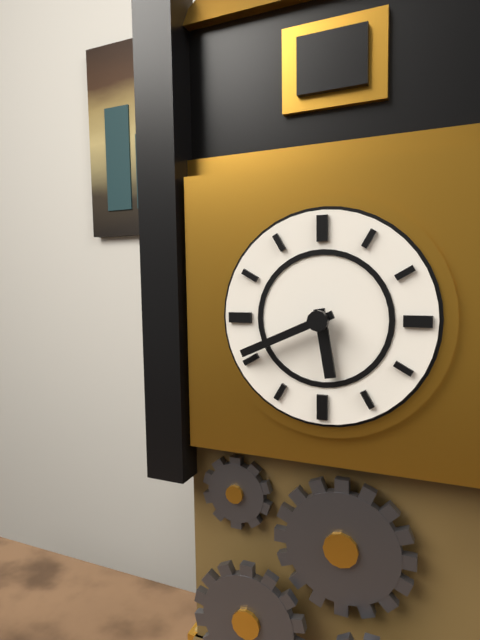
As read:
5:41
